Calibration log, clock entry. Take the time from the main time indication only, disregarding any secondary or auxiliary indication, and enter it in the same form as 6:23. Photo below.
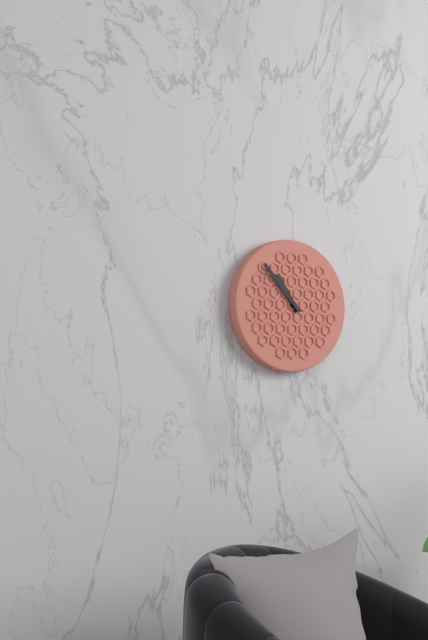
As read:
10:53
